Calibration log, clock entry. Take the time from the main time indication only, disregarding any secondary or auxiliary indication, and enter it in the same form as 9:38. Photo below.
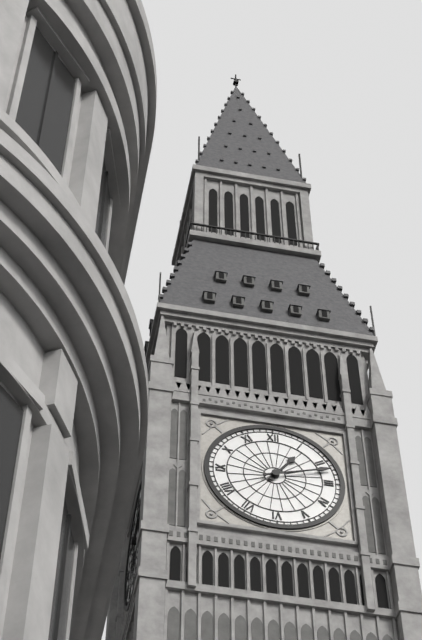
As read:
1:12
